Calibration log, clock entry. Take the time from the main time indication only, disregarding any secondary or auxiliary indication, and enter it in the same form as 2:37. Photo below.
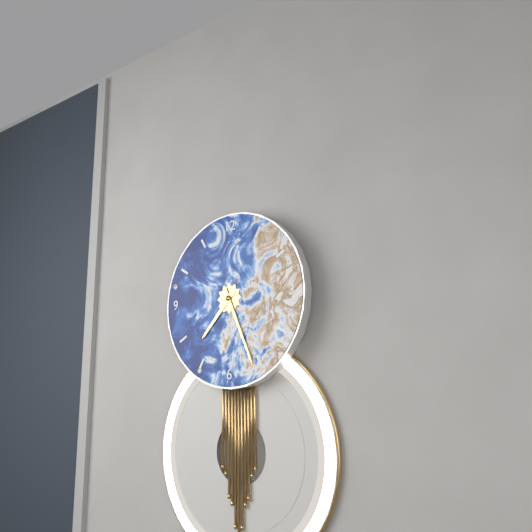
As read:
7:26
